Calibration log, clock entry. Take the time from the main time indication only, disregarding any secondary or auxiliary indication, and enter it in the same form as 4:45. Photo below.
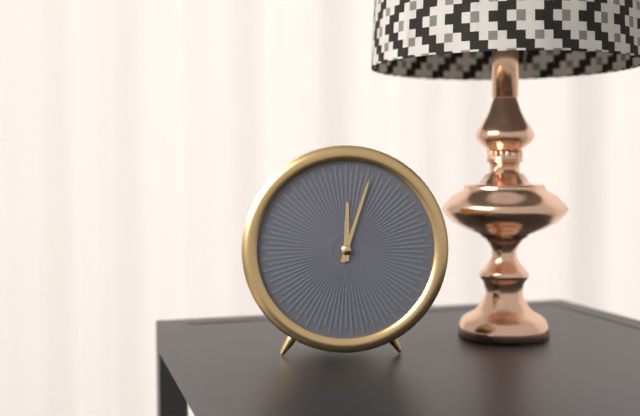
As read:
12:03
